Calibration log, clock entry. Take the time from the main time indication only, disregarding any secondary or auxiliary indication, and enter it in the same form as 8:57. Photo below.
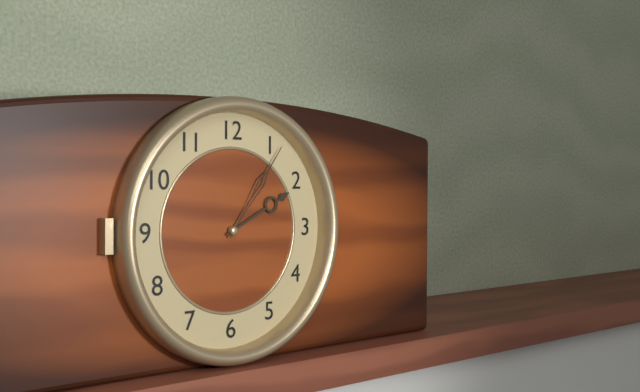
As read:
2:06
